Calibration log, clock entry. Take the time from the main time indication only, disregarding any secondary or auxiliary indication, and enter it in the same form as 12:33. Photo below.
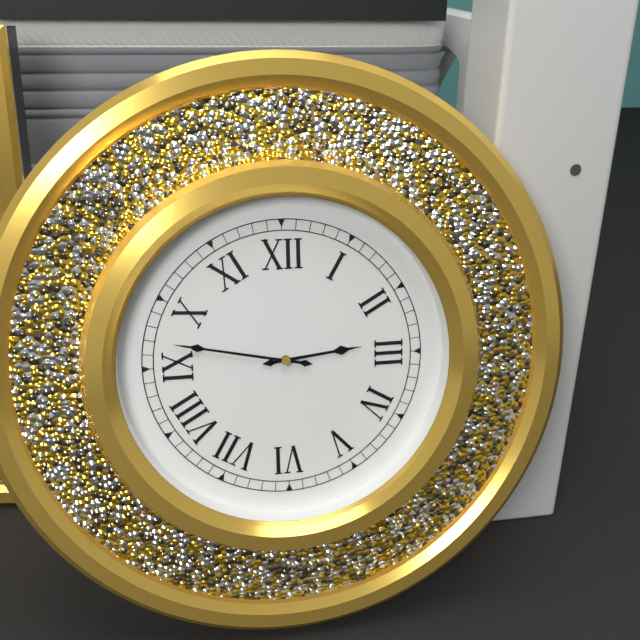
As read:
2:47
